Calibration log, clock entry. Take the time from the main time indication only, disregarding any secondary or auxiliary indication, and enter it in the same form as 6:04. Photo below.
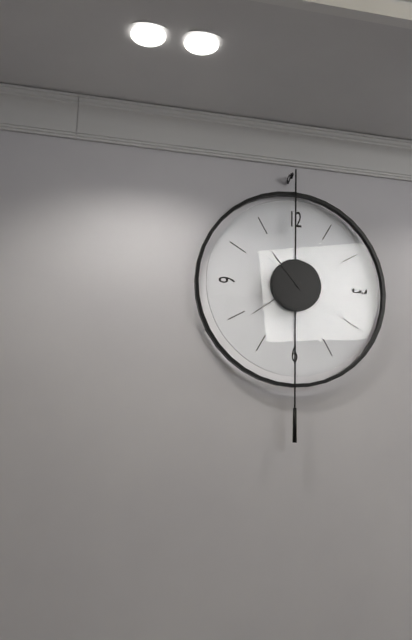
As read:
10:39
